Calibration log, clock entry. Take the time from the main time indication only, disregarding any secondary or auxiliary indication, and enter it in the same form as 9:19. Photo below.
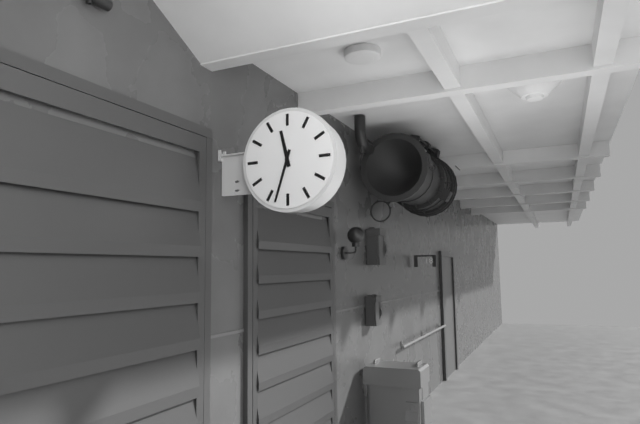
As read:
11:33
